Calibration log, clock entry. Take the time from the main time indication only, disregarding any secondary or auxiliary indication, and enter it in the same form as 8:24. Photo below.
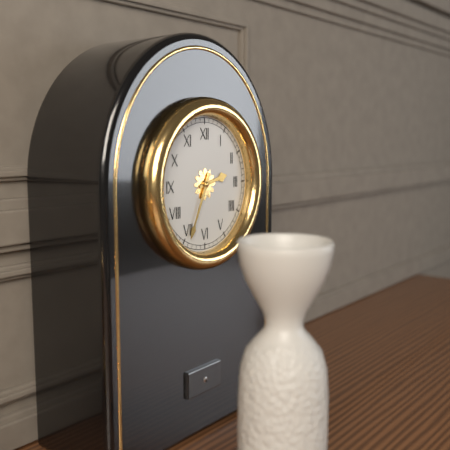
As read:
2:34
